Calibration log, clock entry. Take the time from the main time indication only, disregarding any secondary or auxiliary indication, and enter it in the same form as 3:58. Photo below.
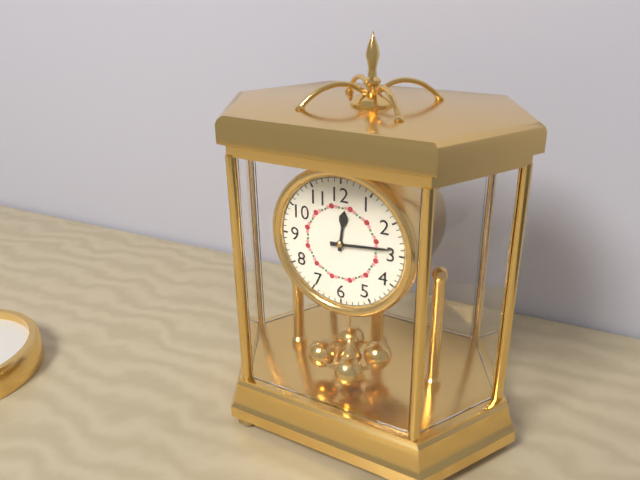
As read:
12:14
